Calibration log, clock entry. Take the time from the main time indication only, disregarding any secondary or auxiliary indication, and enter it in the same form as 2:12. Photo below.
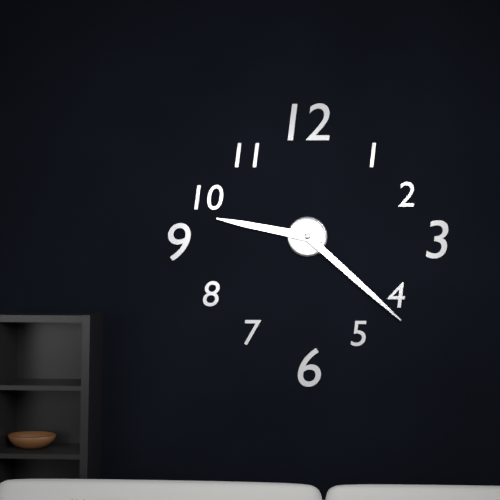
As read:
9:22
